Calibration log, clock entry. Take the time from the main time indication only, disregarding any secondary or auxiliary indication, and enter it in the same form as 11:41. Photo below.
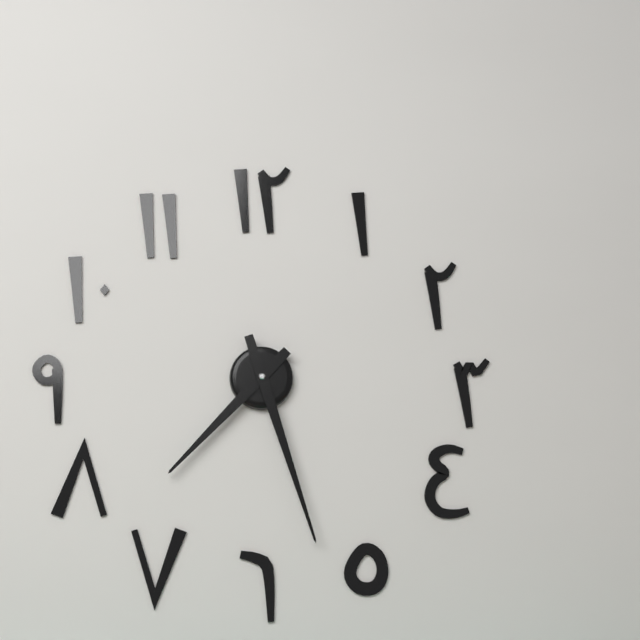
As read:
7:27
